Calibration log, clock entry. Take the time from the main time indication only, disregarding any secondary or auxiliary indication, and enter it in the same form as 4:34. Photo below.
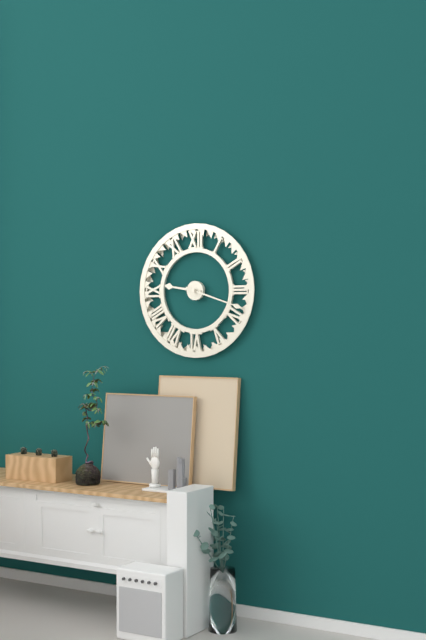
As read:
9:18
